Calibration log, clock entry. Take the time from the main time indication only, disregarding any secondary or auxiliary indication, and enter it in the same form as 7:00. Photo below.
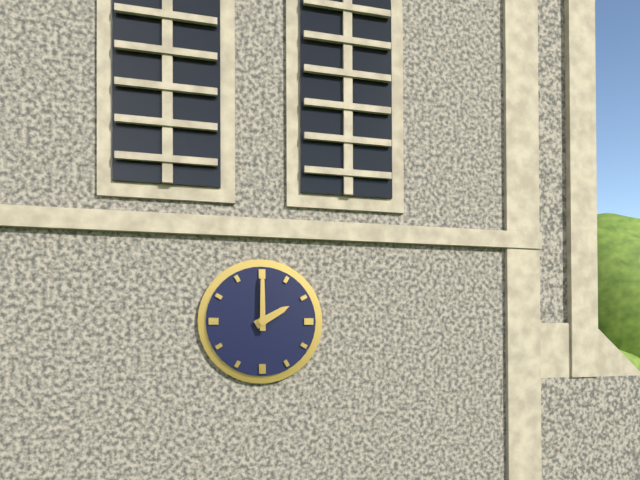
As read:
2:00
